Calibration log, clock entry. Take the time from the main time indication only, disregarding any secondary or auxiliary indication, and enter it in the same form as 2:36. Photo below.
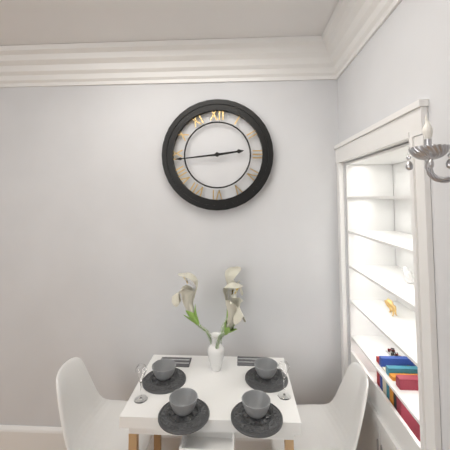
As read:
2:44
